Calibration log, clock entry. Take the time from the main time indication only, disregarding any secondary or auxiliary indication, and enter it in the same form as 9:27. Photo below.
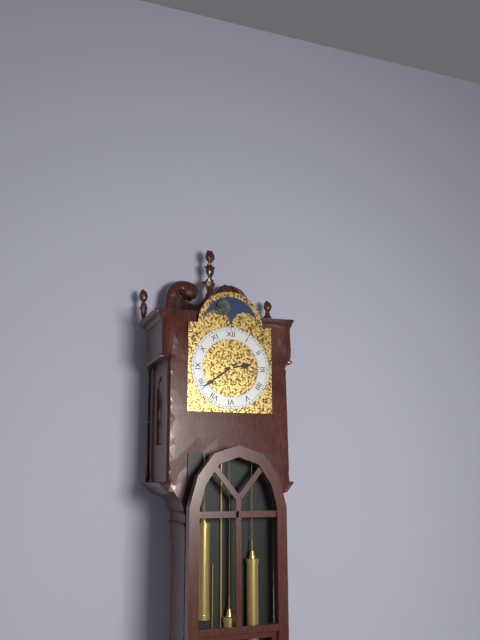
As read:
2:39
